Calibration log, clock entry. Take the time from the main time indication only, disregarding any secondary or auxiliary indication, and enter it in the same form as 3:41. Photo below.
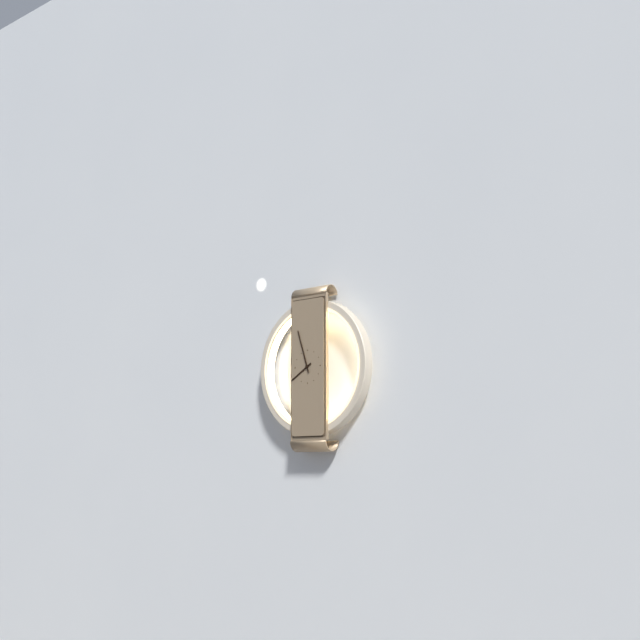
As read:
7:57
